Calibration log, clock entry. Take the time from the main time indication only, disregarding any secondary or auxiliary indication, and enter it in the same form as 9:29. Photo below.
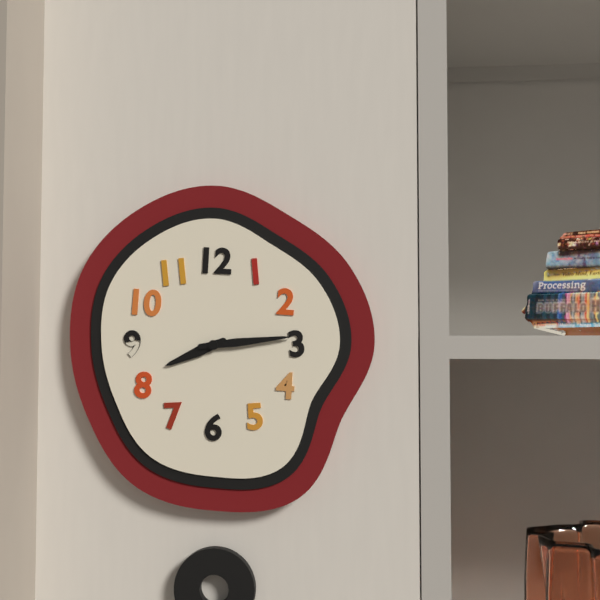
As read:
8:14
